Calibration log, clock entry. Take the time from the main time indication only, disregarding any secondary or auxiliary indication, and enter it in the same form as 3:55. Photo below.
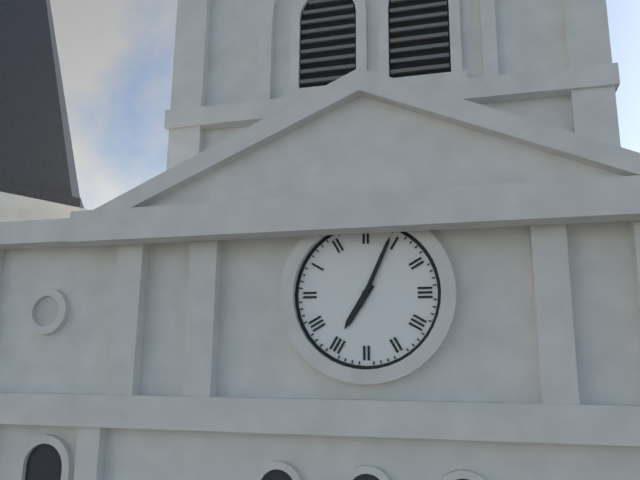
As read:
7:04
